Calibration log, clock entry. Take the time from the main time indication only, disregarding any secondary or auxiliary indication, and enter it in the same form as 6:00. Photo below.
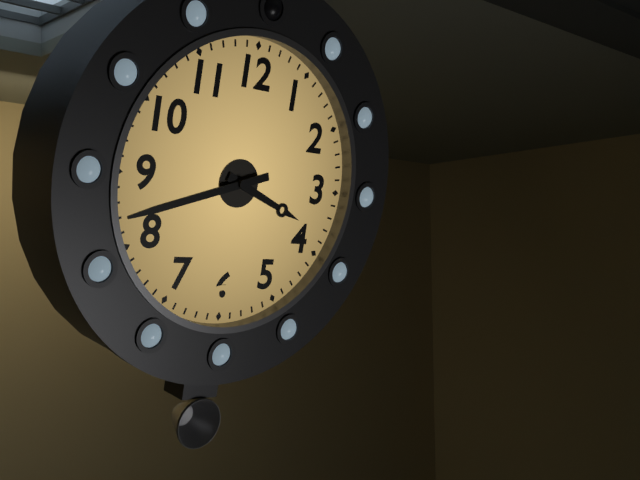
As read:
3:42
